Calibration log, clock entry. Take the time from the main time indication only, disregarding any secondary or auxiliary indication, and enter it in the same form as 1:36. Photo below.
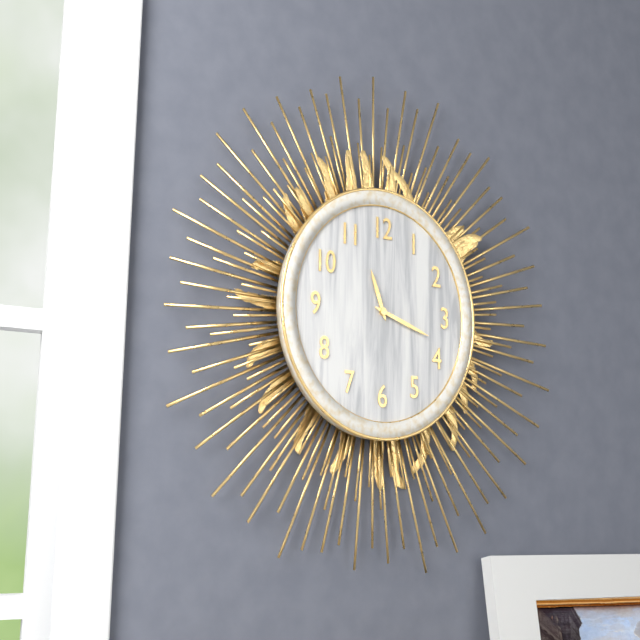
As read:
11:18
